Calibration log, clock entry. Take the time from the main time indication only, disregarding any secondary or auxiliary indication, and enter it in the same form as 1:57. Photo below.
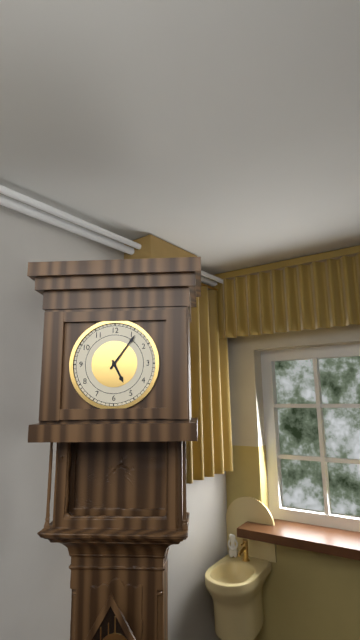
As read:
5:06
